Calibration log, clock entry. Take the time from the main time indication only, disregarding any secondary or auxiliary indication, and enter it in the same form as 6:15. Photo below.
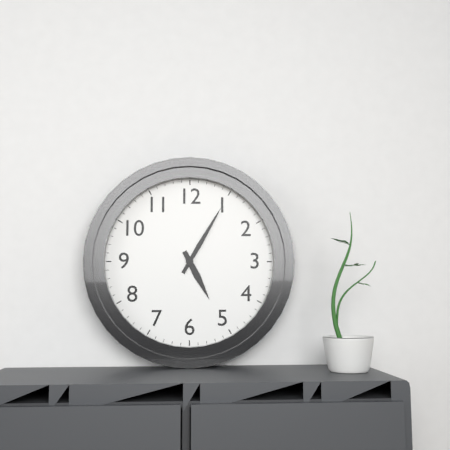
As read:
5:05
